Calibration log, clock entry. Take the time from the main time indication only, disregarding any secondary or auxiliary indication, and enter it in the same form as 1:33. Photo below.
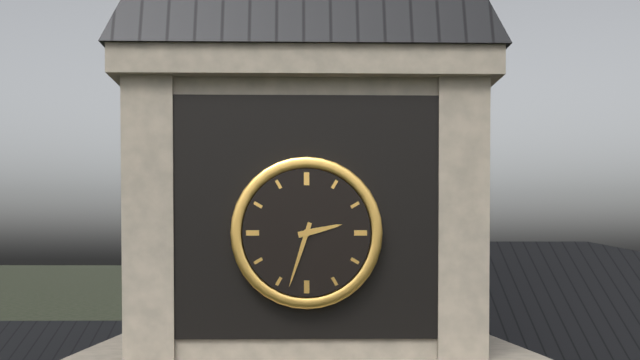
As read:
2:33
